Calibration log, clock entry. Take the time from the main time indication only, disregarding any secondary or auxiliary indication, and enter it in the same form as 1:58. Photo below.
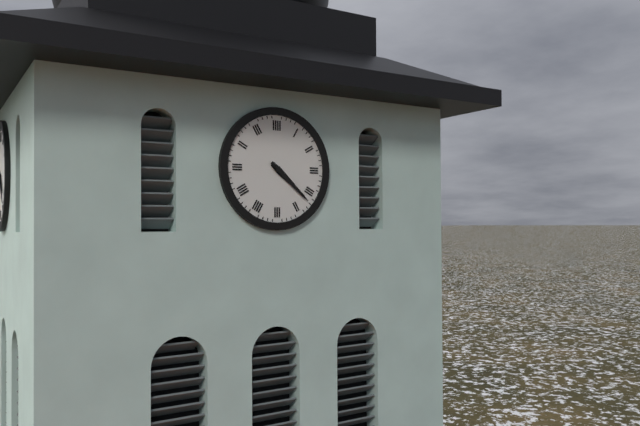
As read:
4:22
